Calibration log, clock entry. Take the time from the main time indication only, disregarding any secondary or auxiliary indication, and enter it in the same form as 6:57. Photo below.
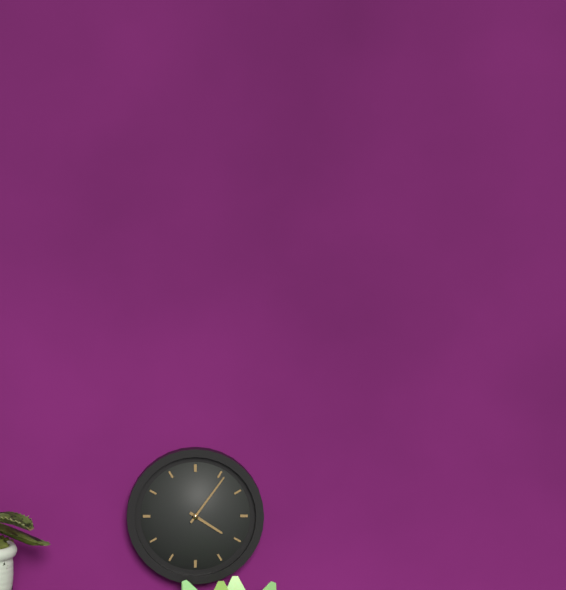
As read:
4:06
